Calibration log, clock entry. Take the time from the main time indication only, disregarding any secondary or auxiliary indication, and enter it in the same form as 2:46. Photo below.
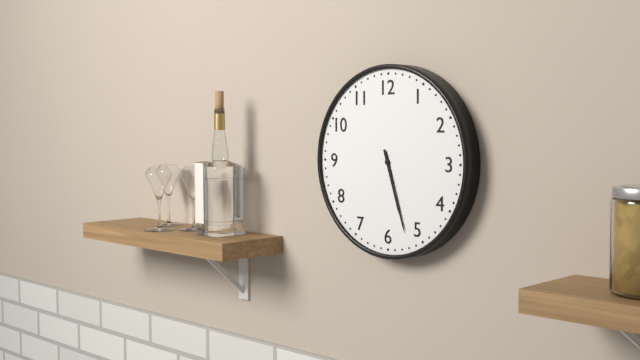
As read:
5:27
